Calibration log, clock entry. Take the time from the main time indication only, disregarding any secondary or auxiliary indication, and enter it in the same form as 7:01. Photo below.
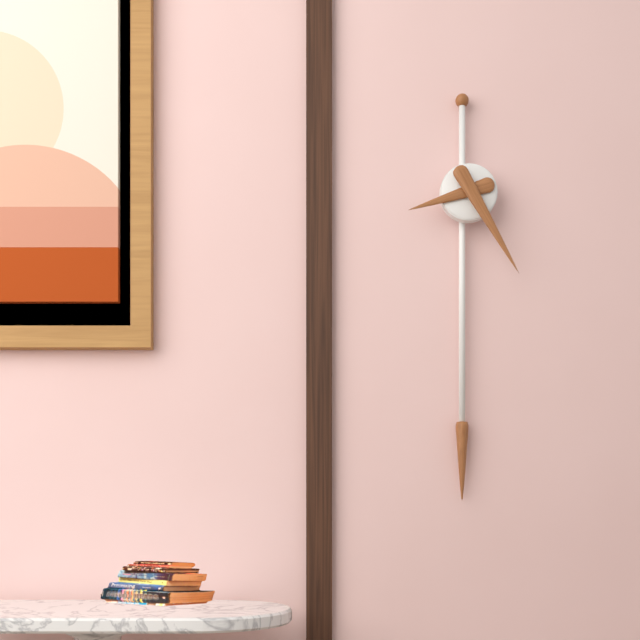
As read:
8:25
